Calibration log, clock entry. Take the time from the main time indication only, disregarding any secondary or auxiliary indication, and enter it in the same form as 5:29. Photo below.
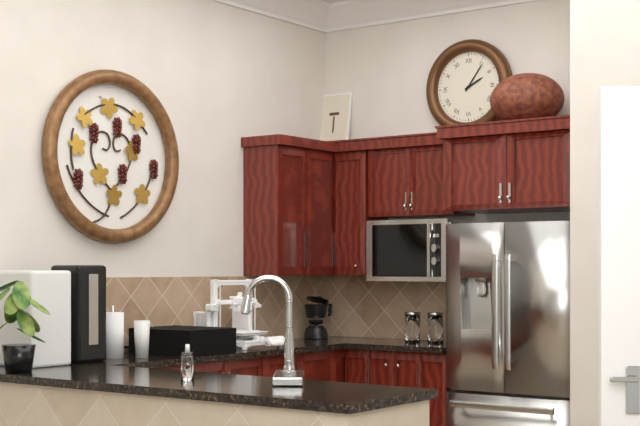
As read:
2:06
